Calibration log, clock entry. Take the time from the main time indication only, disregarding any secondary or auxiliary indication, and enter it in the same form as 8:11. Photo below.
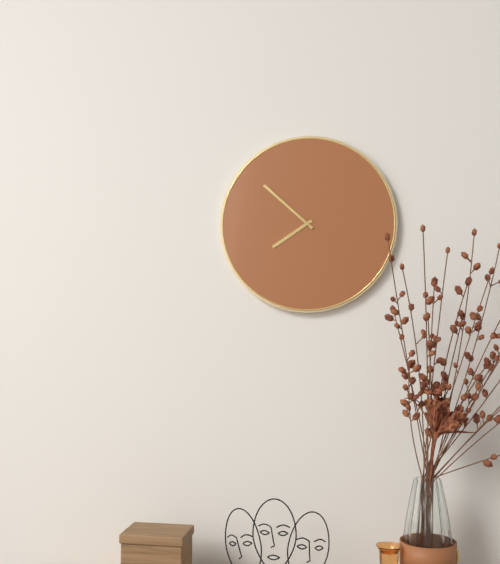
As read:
7:52
